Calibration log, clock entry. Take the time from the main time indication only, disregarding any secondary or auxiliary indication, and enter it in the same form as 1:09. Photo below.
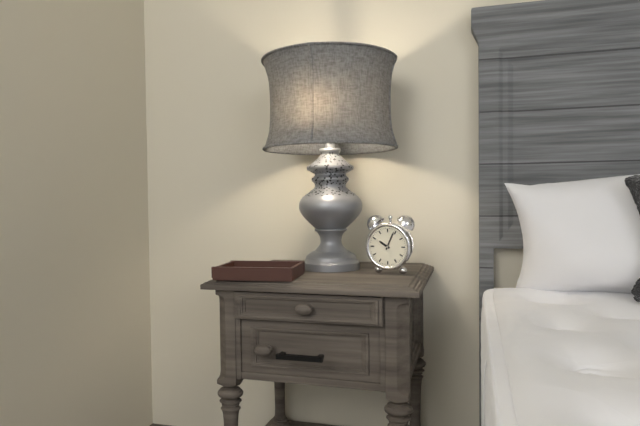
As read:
10:04
